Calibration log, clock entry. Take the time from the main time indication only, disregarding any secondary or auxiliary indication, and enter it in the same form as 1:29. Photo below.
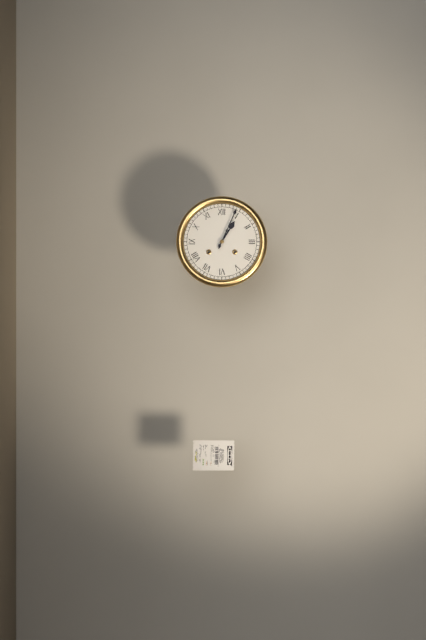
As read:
1:04
